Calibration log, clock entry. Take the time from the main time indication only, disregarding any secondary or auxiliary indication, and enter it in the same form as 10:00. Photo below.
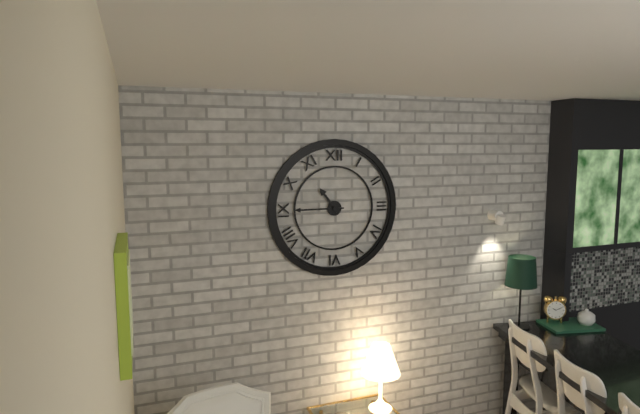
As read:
10:45
